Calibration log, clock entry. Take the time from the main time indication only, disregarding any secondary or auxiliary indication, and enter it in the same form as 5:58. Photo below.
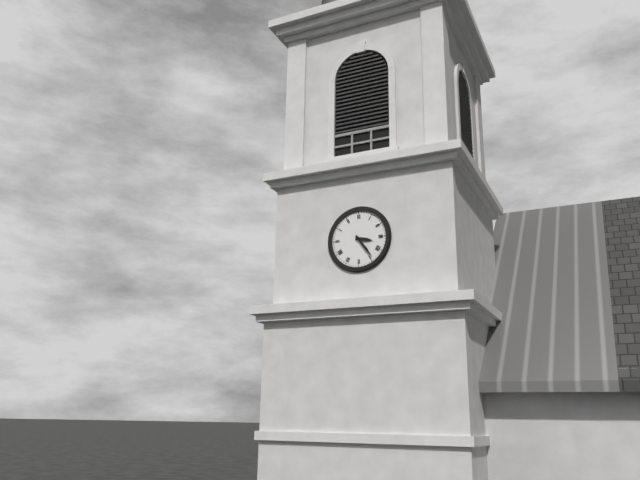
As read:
3:24
